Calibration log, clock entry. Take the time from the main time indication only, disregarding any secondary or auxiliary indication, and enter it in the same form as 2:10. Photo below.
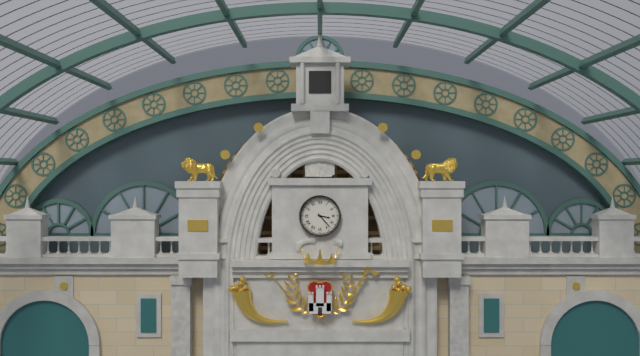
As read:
3:23
